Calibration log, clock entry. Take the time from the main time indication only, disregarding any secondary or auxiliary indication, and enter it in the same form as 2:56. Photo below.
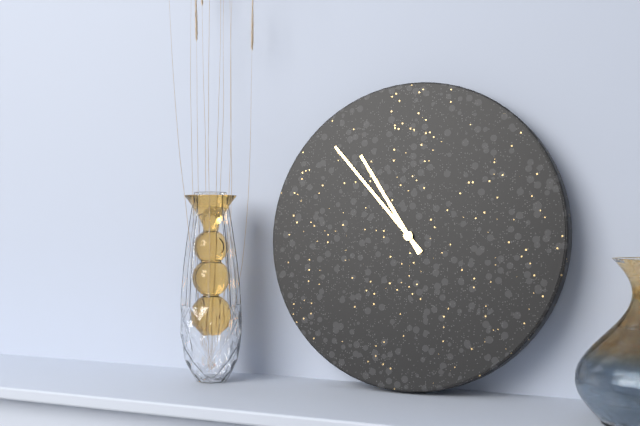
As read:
10:53
